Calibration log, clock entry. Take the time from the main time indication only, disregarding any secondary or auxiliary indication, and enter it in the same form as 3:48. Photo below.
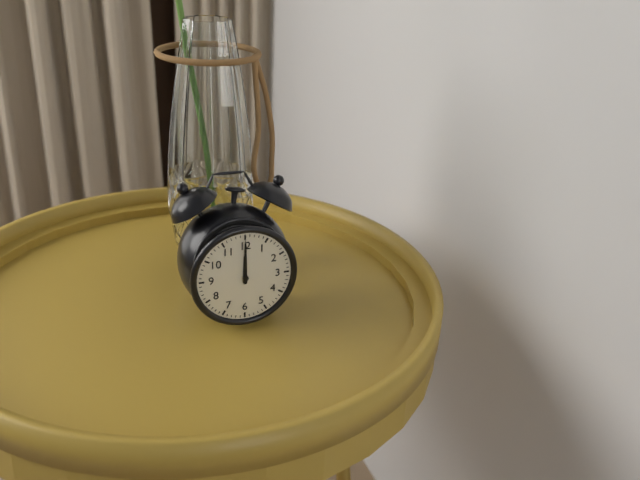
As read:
12:00
